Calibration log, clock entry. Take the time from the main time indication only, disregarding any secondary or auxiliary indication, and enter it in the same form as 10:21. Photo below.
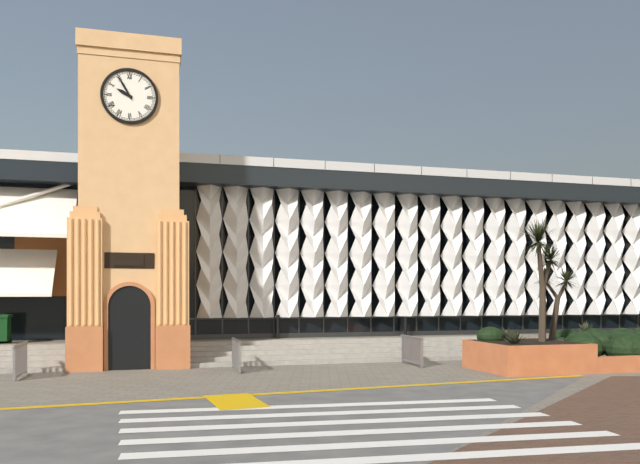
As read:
9:55
